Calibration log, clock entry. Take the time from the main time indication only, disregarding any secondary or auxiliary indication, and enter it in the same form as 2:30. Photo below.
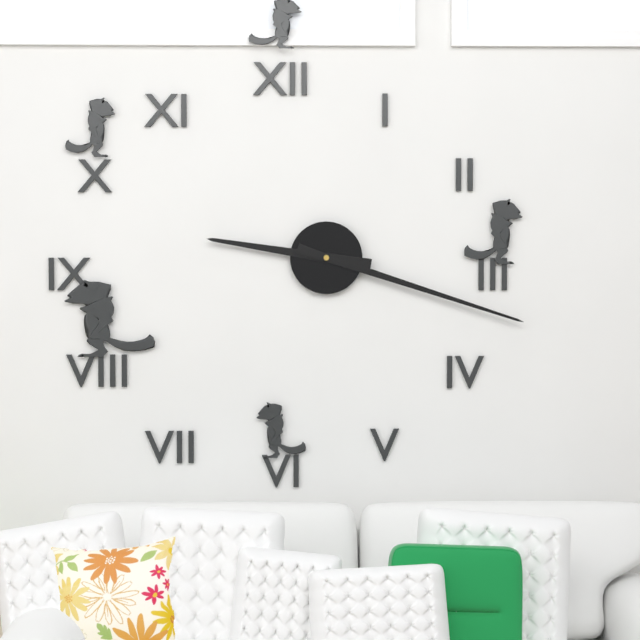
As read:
9:18
